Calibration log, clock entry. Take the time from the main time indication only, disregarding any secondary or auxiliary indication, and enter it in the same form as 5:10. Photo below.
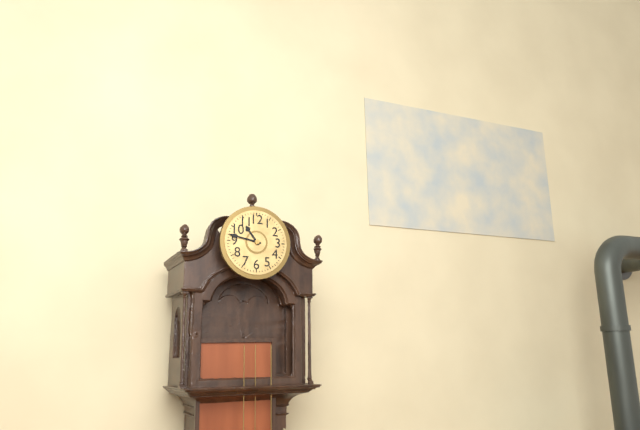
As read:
10:47
